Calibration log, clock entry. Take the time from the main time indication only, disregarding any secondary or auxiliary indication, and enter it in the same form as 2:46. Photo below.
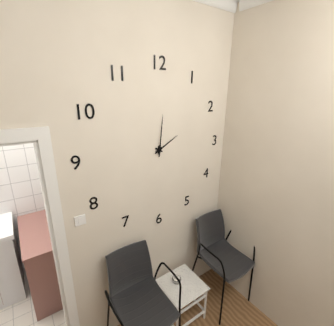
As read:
2:01
